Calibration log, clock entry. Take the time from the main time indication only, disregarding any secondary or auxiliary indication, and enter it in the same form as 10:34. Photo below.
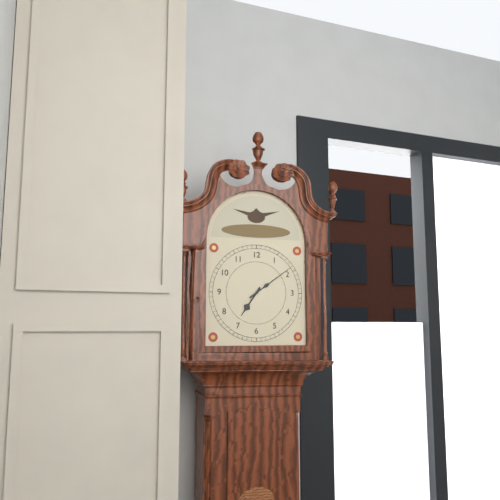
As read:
7:09
